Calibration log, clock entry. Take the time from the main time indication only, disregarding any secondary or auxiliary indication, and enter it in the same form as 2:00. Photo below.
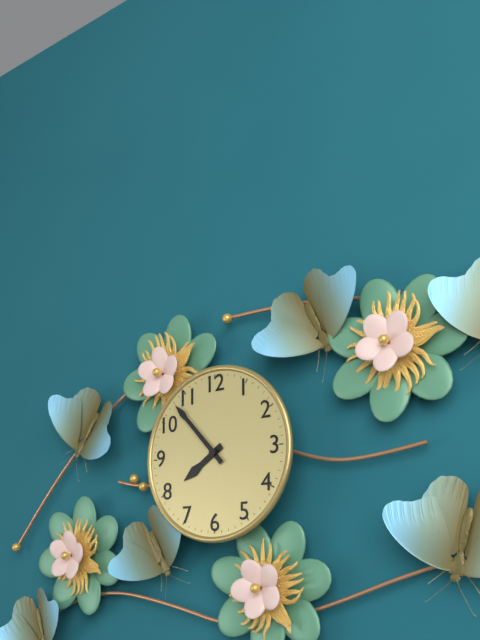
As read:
7:53
